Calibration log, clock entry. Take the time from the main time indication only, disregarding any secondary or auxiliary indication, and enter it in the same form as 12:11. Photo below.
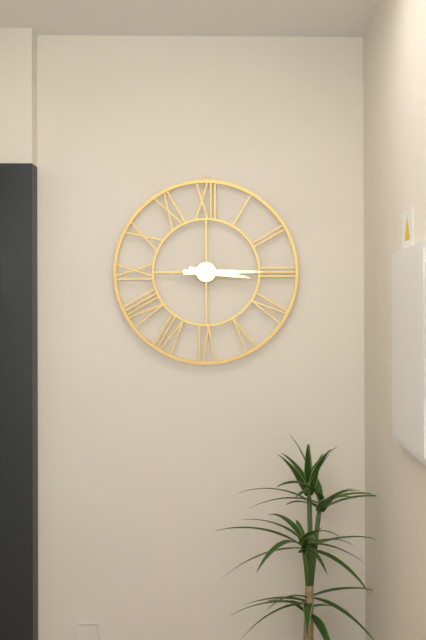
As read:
3:15
